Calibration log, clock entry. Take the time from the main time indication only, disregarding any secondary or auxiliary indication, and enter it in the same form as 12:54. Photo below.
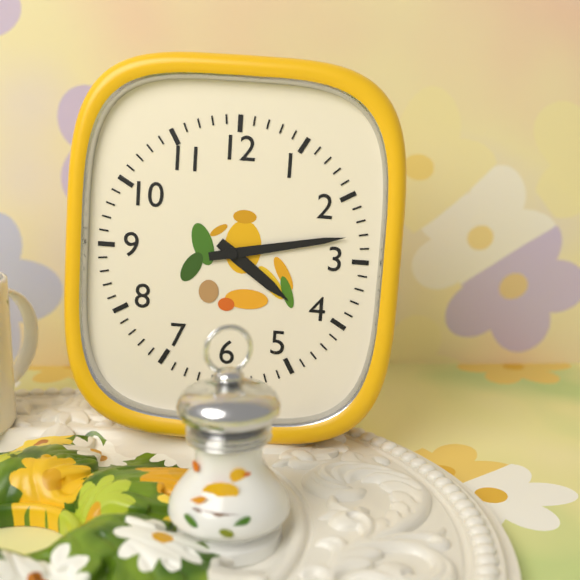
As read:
4:13
